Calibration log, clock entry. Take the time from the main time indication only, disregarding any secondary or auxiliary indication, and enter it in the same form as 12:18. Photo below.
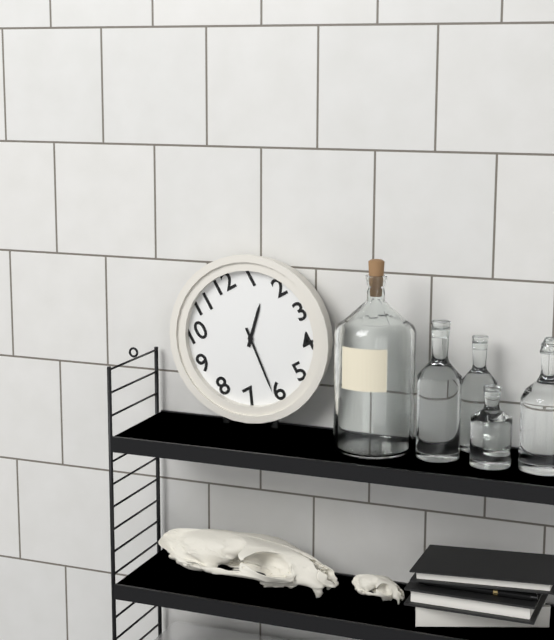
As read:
1:31
